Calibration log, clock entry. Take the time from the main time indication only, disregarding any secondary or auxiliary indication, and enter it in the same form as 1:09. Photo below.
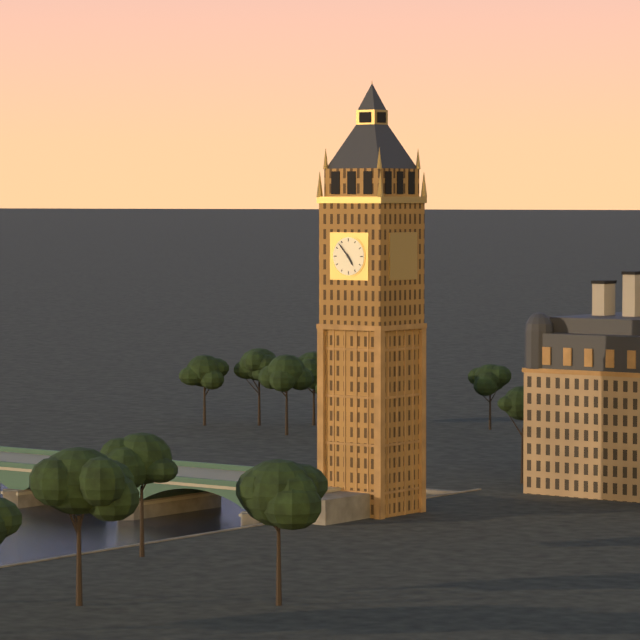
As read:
4:53
